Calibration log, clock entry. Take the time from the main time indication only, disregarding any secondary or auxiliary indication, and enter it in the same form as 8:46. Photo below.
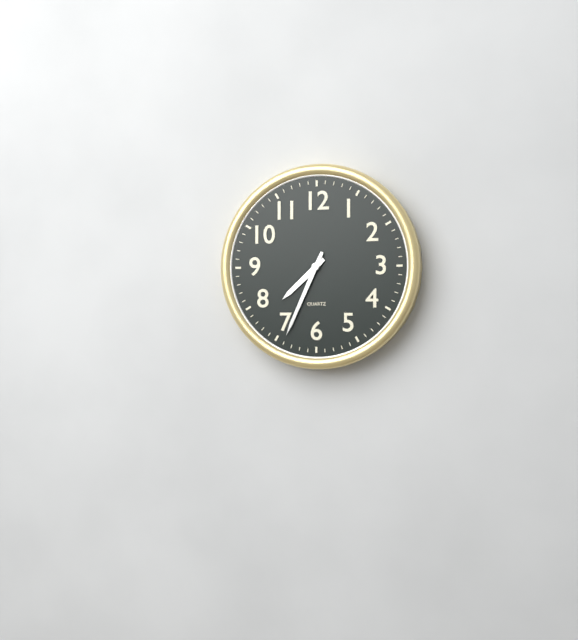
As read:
7:34
